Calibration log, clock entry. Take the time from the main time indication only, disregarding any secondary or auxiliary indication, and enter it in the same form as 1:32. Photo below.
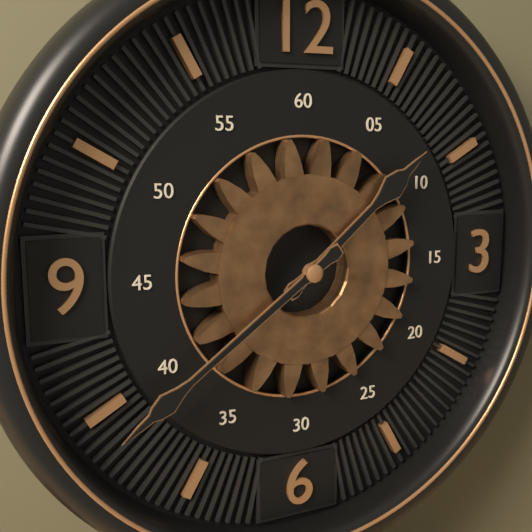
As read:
1:39
